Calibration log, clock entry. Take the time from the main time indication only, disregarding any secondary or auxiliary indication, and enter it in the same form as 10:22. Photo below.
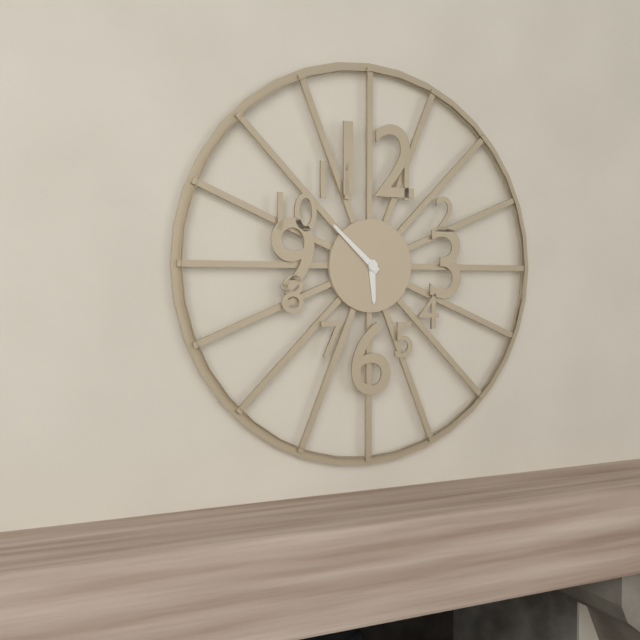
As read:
5:52
